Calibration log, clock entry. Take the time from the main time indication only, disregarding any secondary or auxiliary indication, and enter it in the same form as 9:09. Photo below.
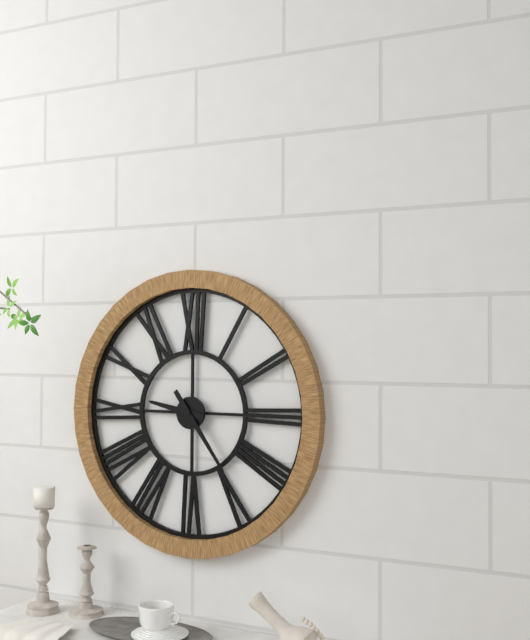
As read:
9:24
